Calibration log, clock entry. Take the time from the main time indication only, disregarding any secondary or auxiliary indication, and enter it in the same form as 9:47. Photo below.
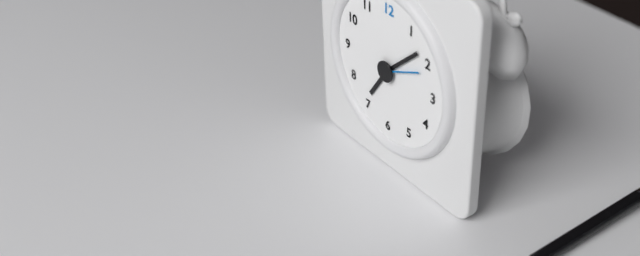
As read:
7:08
